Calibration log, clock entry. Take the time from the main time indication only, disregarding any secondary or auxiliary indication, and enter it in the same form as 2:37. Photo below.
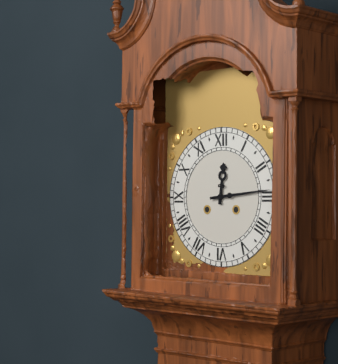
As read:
12:14
